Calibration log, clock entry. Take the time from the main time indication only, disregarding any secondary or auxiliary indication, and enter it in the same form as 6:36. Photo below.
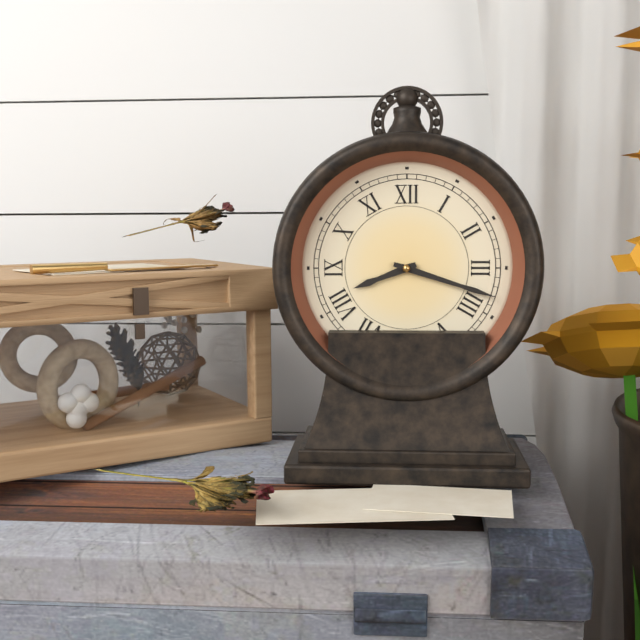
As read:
8:18
